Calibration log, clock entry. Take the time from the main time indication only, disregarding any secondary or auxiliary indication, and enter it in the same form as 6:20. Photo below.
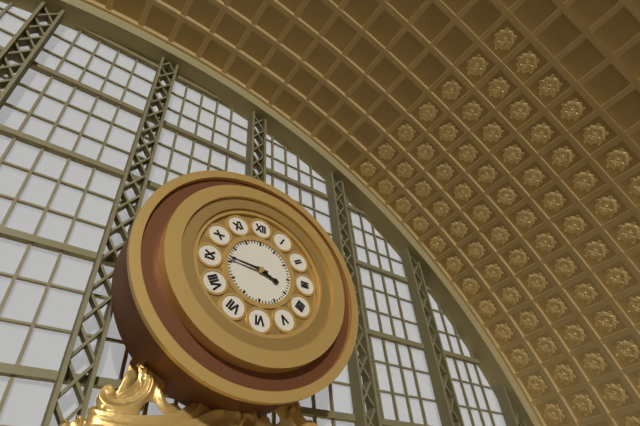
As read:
3:46
